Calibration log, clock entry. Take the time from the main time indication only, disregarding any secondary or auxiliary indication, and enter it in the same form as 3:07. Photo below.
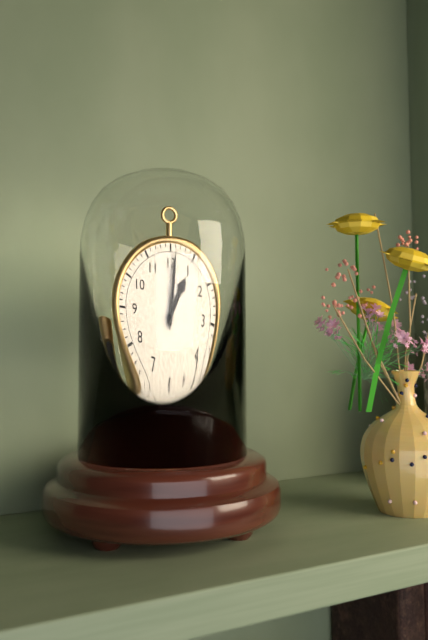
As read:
1:01
